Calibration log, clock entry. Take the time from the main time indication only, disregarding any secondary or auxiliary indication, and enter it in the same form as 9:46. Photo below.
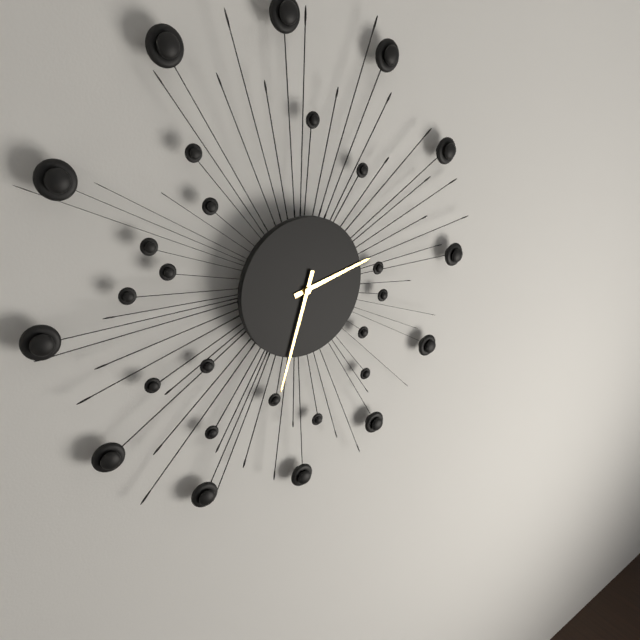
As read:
2:33
